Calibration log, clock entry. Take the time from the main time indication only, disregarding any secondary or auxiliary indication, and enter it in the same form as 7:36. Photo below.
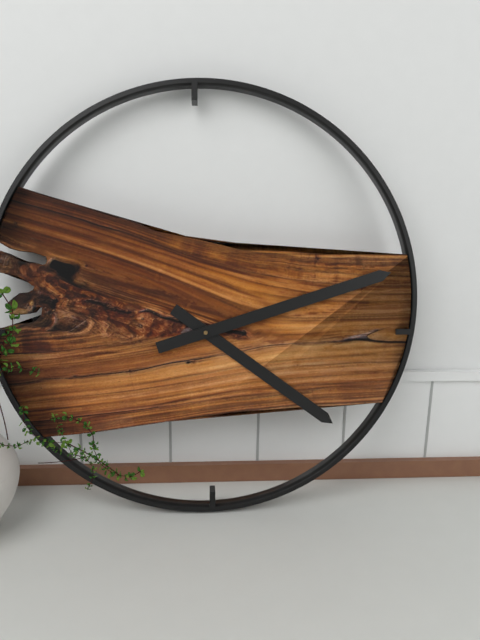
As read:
4:12
